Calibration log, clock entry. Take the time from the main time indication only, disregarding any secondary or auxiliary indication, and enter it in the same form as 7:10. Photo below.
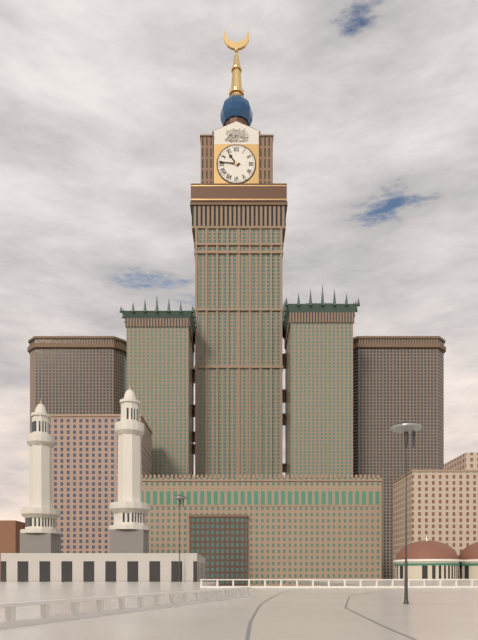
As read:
10:46
